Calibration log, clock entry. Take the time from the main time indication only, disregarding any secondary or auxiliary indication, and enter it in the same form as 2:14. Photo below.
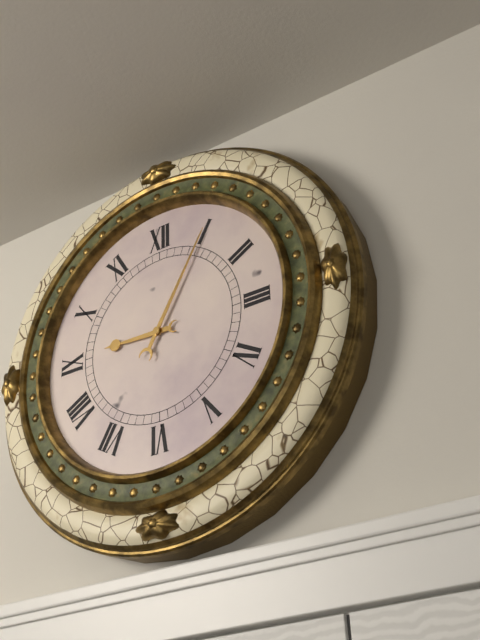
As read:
9:05
